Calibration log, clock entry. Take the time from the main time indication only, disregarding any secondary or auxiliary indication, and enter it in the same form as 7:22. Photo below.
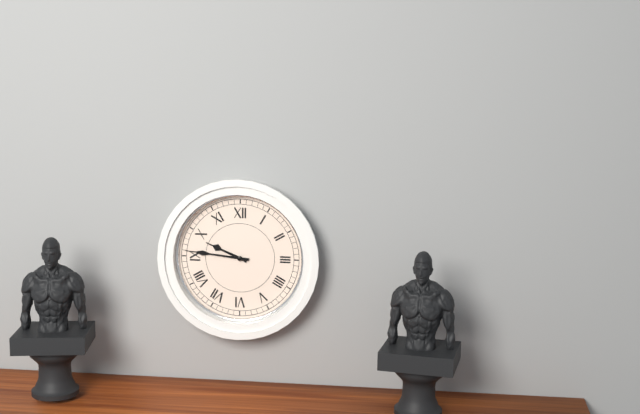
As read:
9:46
